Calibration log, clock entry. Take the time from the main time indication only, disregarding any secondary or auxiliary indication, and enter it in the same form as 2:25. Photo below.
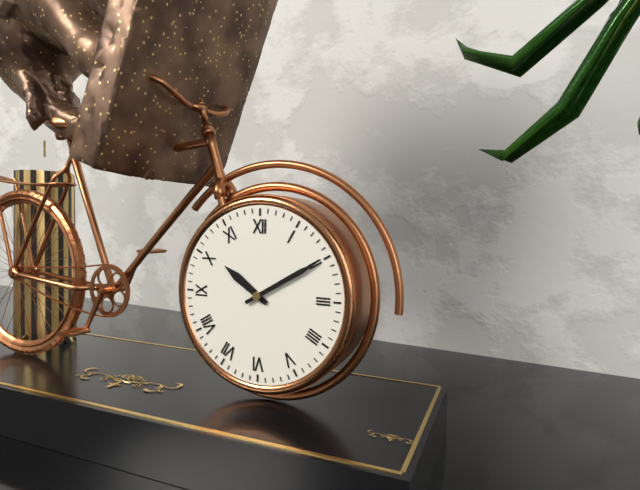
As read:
10:10
